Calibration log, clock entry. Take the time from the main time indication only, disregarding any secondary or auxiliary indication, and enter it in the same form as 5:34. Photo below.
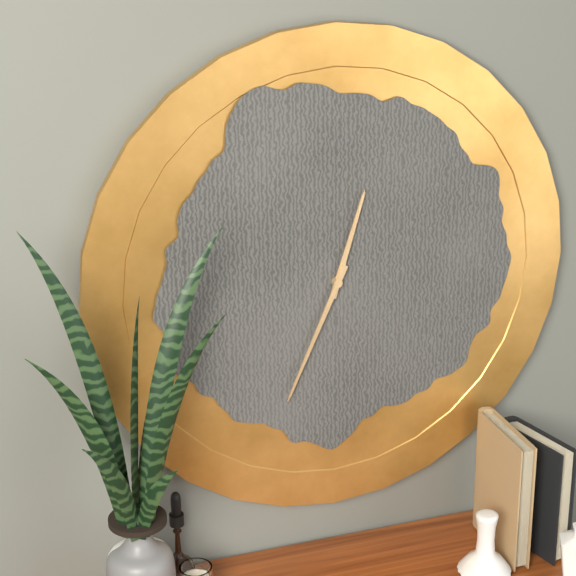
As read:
12:34
